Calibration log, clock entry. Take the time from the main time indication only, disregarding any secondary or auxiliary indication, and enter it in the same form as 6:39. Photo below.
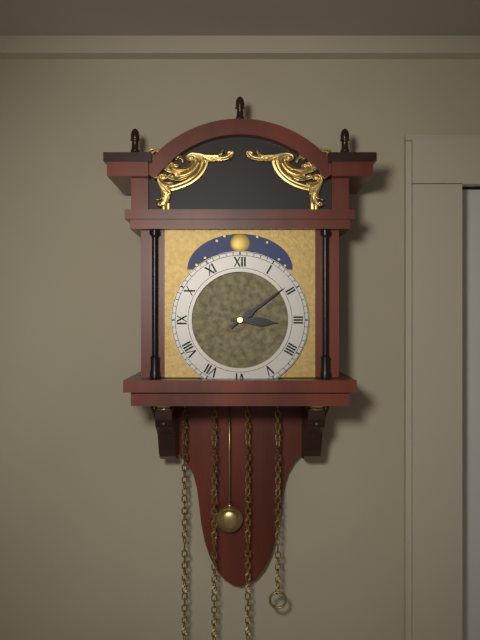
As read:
3:09
